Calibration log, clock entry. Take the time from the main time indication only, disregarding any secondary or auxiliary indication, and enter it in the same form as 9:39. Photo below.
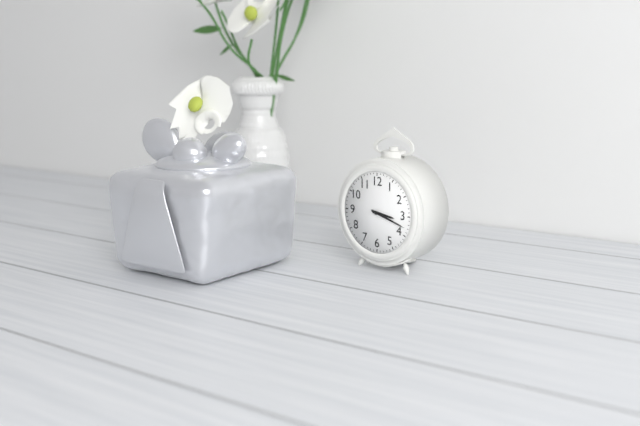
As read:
3:18
